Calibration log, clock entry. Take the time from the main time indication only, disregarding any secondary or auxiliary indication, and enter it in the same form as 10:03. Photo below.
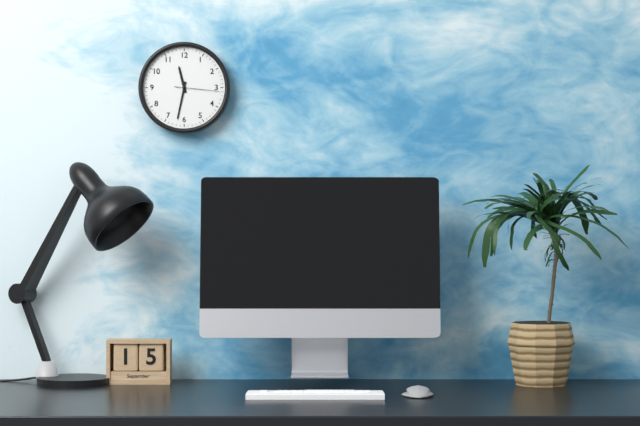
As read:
11:32
